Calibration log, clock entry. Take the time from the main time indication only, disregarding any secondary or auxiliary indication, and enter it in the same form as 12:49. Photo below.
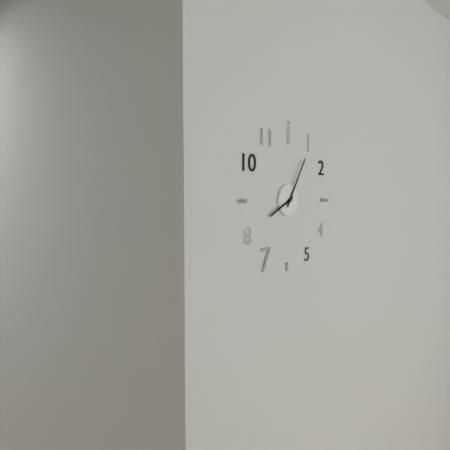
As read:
8:05
